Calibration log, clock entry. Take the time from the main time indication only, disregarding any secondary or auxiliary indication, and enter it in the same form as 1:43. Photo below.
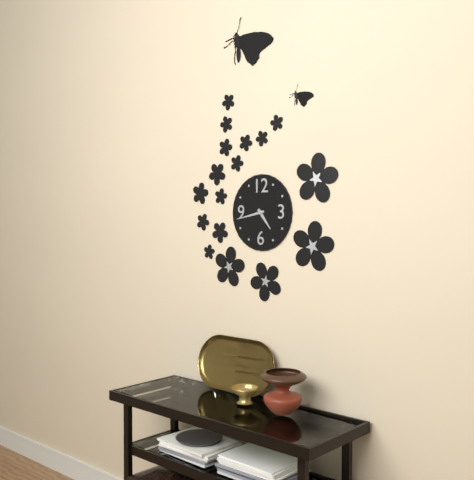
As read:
4:43
